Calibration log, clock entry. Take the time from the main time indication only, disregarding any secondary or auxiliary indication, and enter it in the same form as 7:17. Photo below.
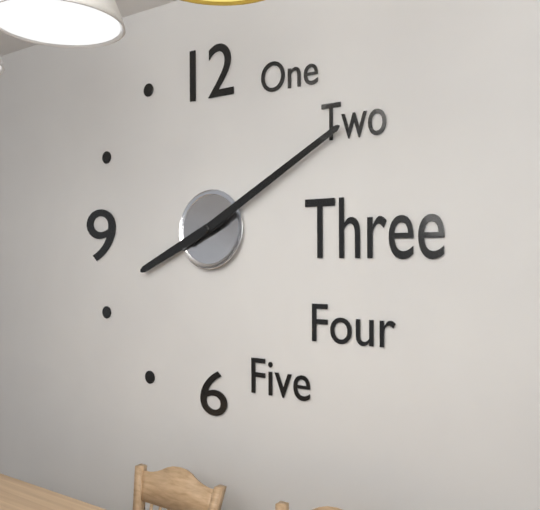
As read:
8:10
